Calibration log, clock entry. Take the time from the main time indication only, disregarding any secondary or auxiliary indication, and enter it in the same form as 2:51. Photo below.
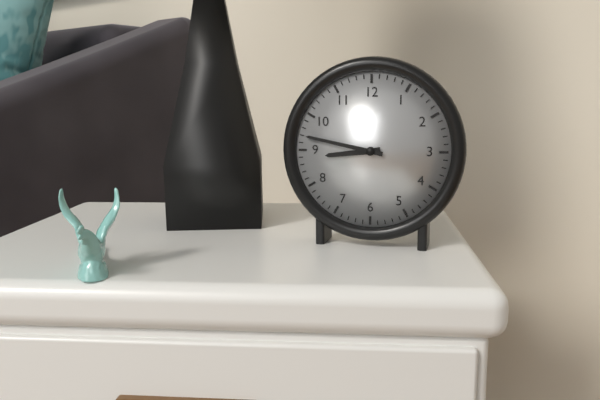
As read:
8:47
